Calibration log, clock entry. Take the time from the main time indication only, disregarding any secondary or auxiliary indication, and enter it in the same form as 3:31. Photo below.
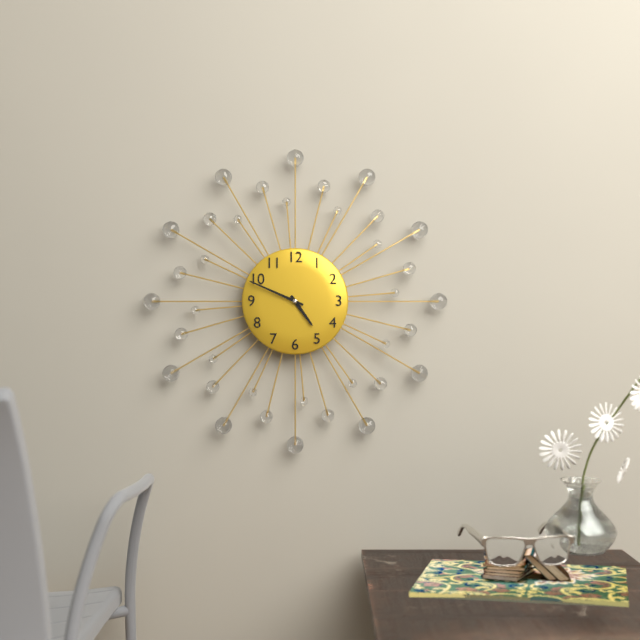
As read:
4:49
